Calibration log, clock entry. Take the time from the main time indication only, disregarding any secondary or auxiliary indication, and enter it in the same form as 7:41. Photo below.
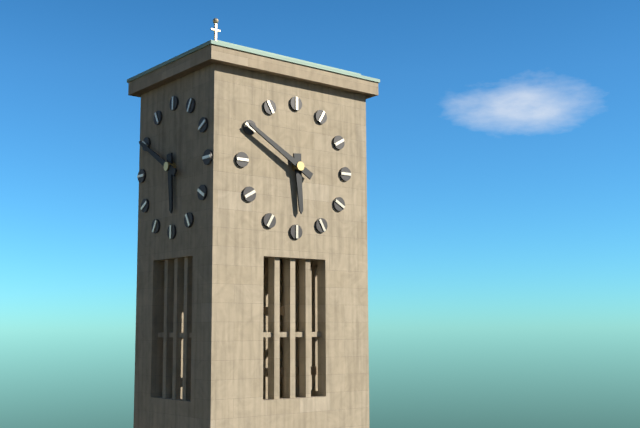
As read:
5:50
